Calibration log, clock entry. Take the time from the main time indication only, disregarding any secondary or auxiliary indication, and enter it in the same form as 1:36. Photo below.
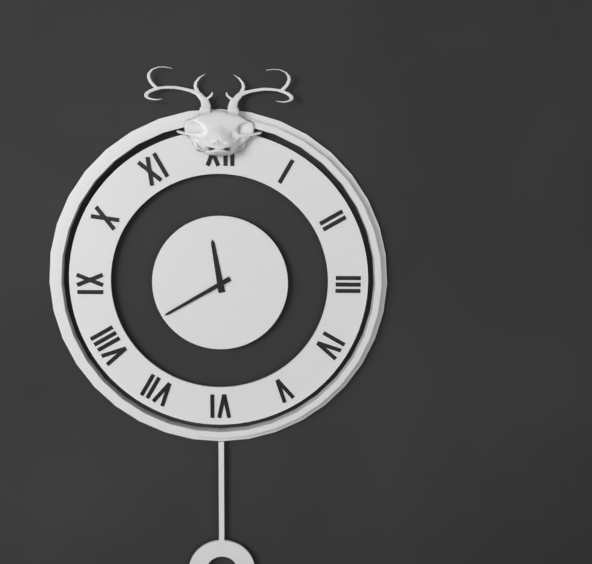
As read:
11:40
